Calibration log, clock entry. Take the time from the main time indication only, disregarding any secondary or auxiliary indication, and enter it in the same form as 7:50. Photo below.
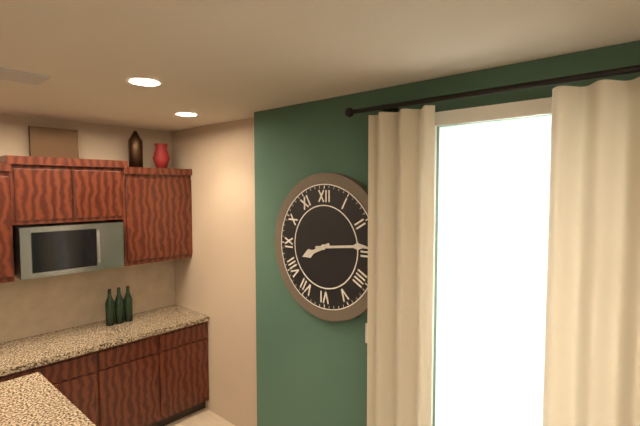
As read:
8:14
